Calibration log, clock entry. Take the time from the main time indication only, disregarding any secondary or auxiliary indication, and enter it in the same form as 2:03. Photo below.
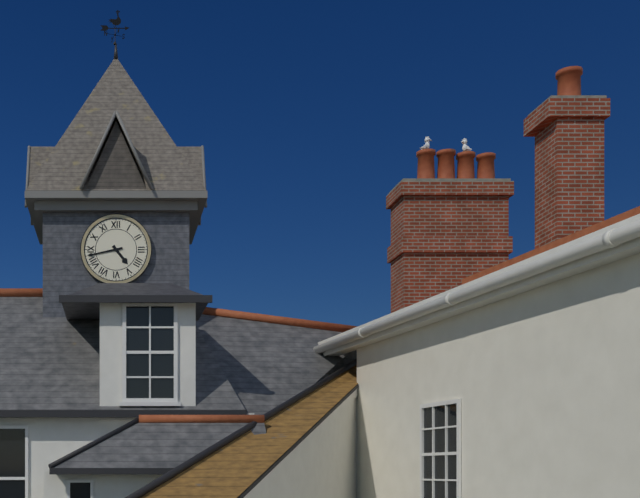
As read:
4:43
